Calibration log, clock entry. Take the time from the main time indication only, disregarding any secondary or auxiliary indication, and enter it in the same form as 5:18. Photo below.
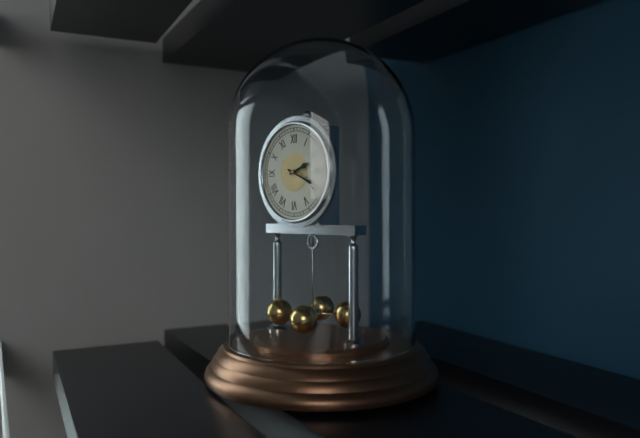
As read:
2:19
